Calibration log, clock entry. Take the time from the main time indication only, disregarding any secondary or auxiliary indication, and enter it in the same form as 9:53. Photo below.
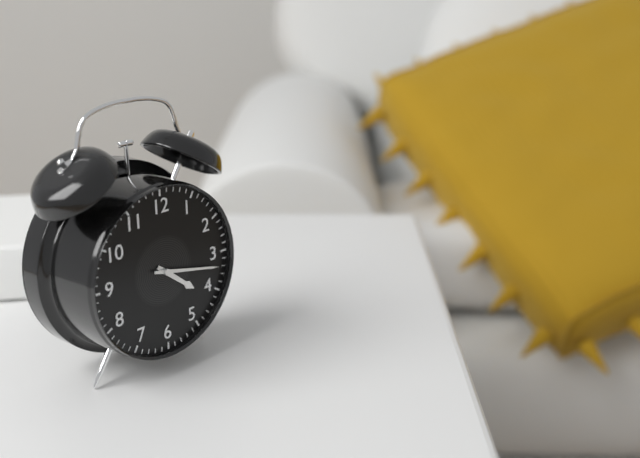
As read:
4:17
